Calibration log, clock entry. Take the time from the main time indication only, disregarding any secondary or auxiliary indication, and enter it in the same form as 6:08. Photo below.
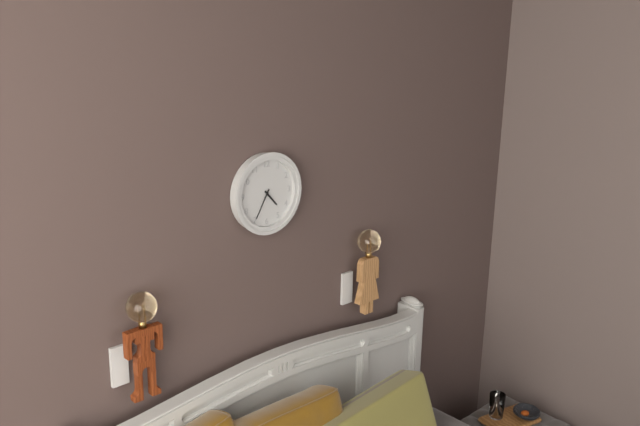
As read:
4:35
